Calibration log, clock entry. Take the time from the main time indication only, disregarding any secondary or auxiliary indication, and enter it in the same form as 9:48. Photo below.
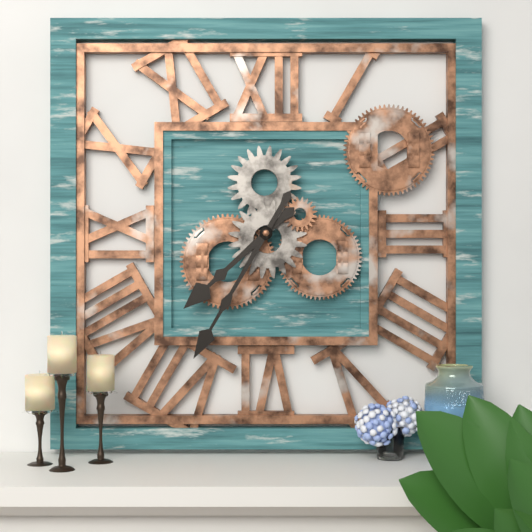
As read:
7:35
